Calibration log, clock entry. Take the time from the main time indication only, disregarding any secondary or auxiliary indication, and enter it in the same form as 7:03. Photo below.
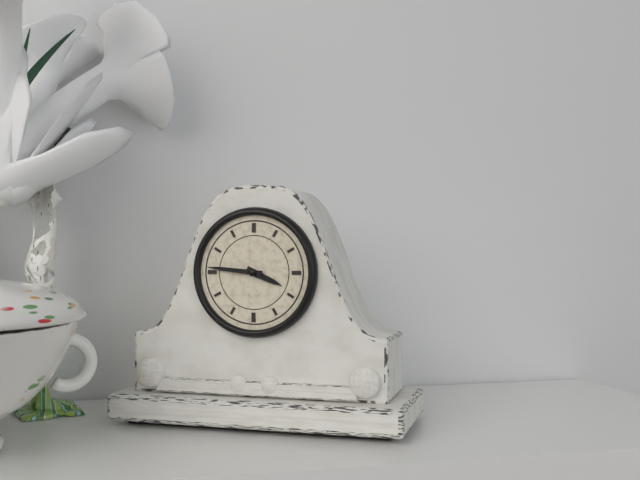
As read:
3:46
